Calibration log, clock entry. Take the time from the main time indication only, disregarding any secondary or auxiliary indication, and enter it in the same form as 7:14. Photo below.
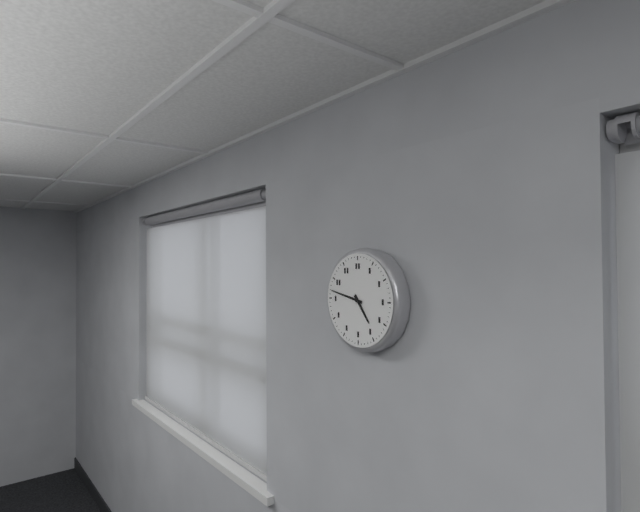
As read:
4:47
